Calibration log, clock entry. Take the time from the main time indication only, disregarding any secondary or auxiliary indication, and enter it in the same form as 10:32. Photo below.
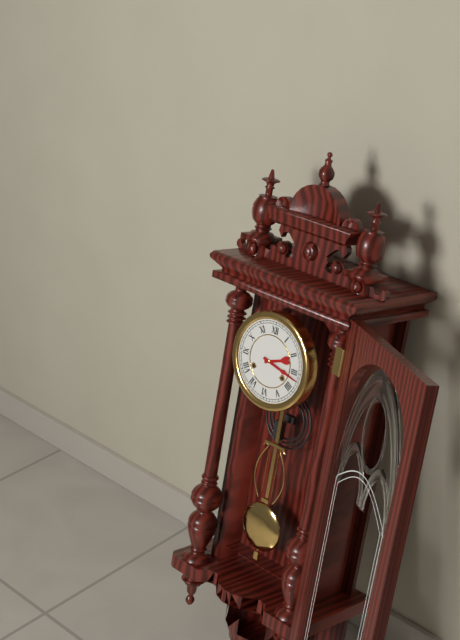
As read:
2:17
